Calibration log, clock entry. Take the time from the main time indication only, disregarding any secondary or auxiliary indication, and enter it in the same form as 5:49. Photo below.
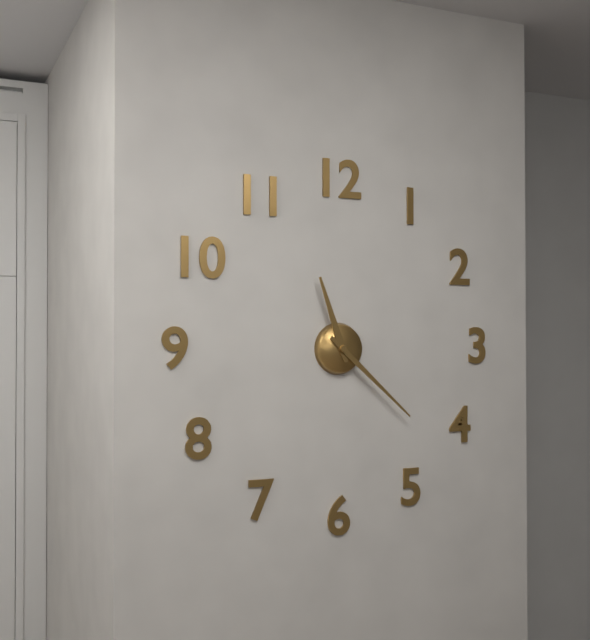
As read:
11:22
